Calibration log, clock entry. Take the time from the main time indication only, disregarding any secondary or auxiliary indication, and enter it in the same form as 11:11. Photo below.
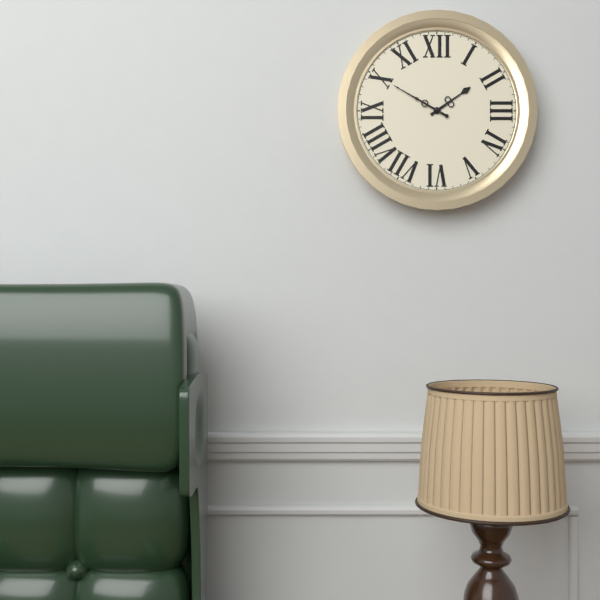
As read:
1:50
